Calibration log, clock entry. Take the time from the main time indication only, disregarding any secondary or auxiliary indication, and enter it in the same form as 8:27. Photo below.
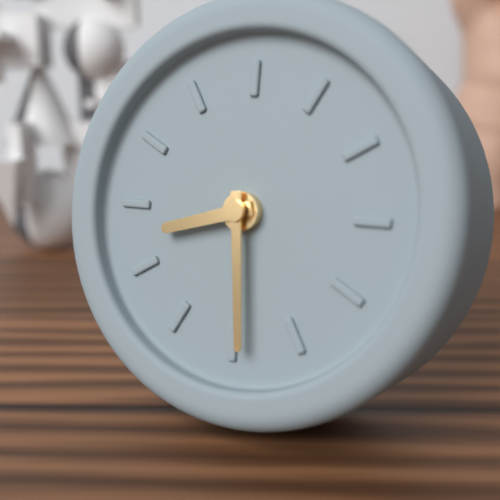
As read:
8:29
